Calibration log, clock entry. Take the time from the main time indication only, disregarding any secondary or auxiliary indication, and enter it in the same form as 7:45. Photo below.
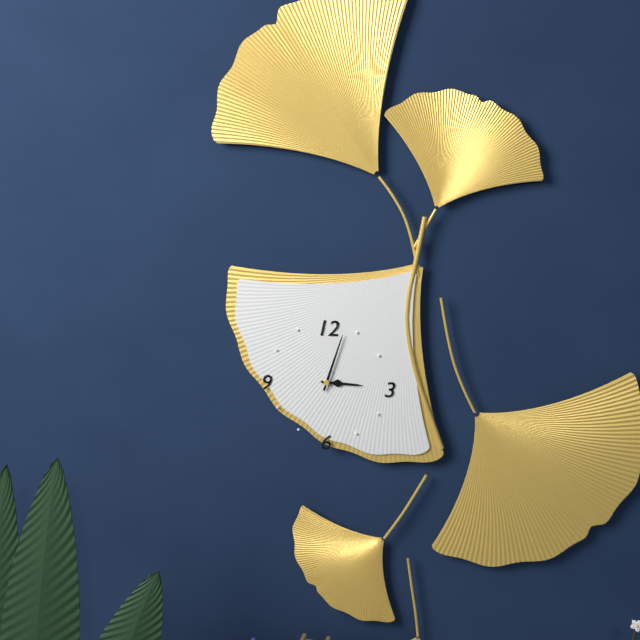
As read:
3:03
